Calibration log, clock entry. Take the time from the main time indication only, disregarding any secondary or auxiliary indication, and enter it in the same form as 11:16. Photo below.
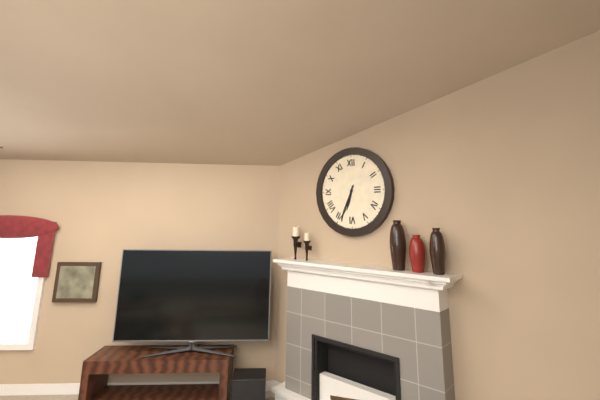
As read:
6:34
